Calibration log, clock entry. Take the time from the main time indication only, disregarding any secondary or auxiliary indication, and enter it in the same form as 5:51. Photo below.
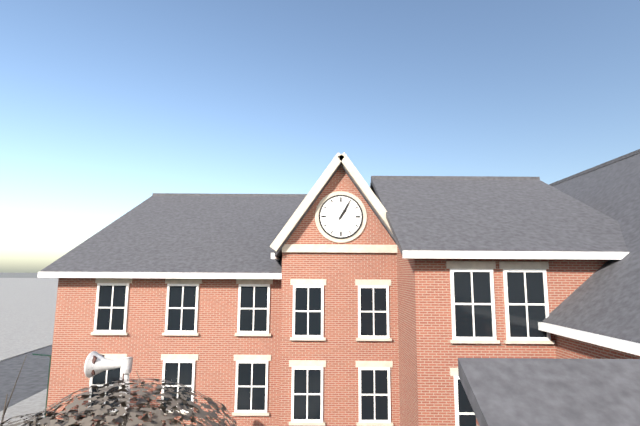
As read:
1:05
